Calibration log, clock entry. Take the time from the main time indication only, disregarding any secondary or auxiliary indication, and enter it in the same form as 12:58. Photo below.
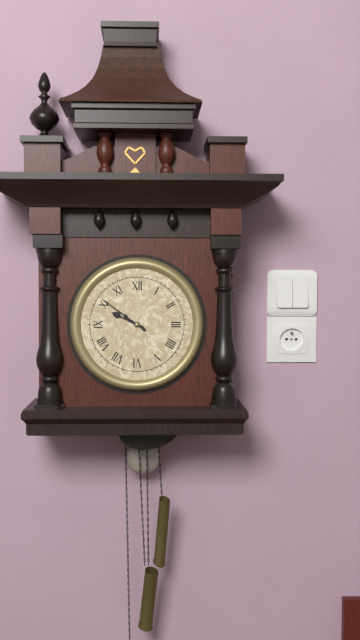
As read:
9:51
